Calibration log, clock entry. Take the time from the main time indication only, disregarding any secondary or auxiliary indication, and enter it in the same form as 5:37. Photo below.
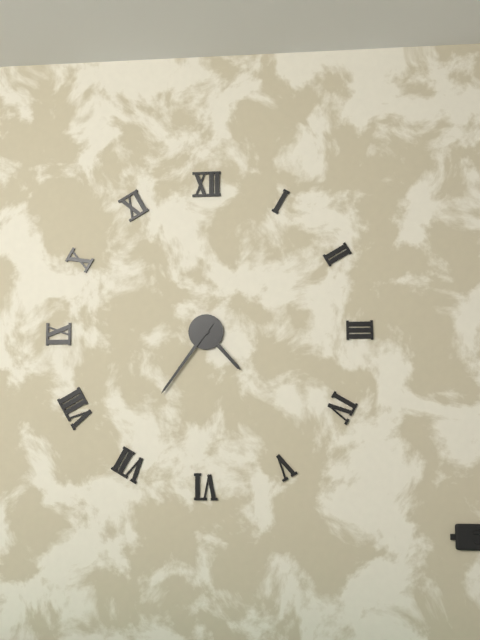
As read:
4:36
